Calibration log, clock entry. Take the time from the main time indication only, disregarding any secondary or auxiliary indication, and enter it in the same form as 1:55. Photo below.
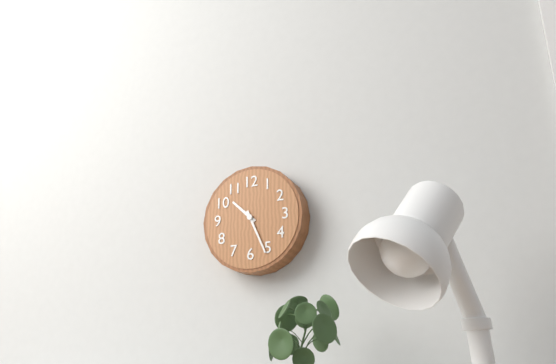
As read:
10:26
